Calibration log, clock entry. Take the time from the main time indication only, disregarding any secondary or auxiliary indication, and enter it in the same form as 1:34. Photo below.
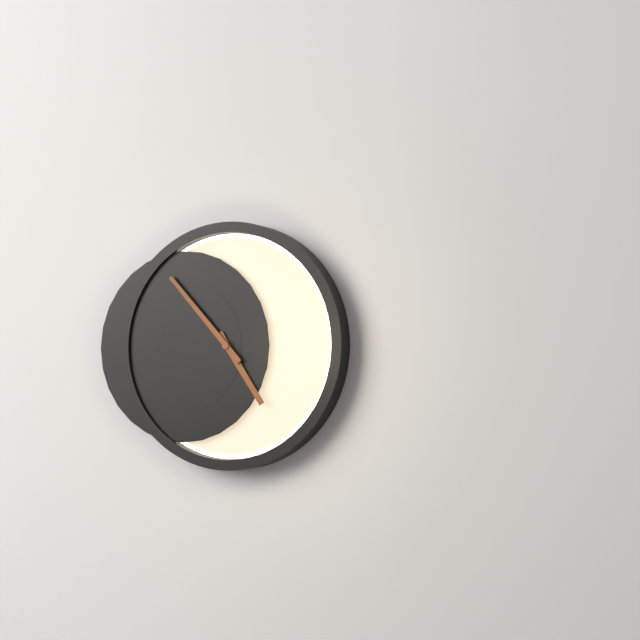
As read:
4:53
